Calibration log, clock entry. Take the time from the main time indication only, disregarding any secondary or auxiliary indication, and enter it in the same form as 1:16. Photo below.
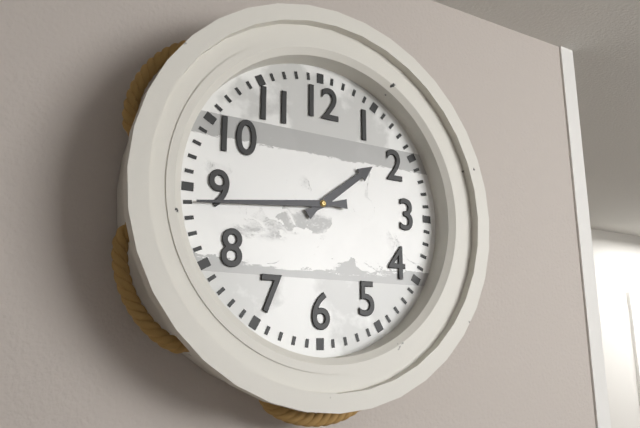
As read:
1:44
